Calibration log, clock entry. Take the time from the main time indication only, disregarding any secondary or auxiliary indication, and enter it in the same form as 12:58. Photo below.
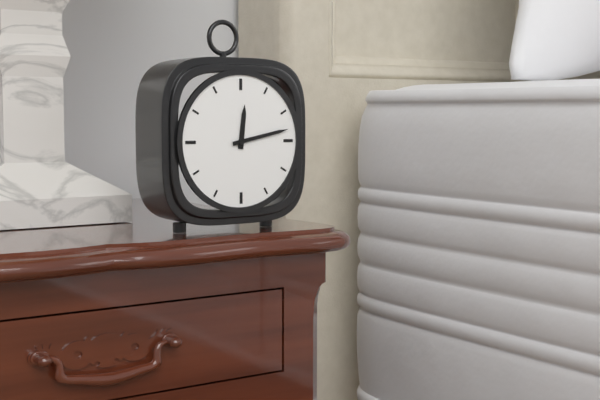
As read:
12:13
